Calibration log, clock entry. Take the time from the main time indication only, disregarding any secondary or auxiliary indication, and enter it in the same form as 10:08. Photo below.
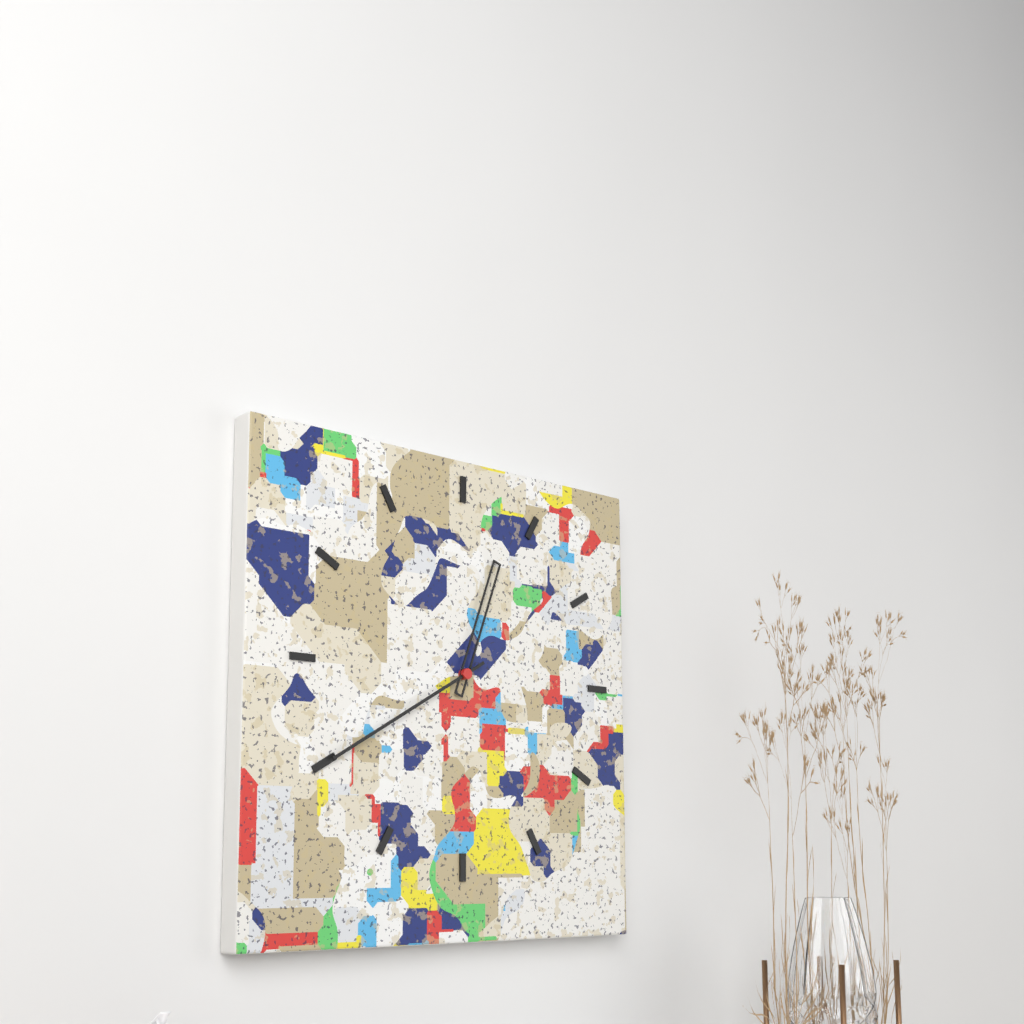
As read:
12:40
